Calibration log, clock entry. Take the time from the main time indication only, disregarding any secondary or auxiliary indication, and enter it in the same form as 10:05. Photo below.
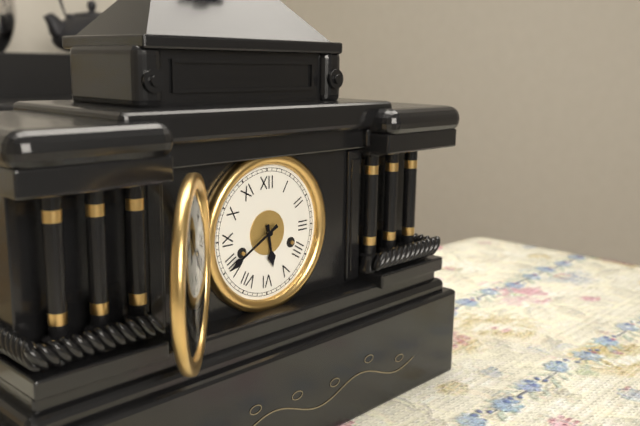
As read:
5:40
